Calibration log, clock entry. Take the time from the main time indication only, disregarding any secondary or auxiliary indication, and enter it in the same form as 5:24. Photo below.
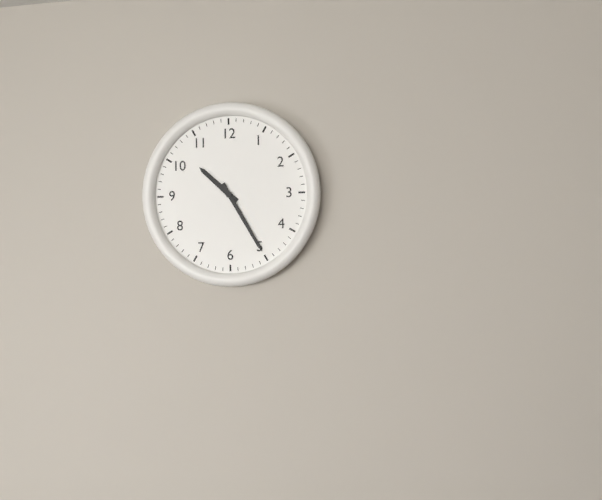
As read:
10:25
